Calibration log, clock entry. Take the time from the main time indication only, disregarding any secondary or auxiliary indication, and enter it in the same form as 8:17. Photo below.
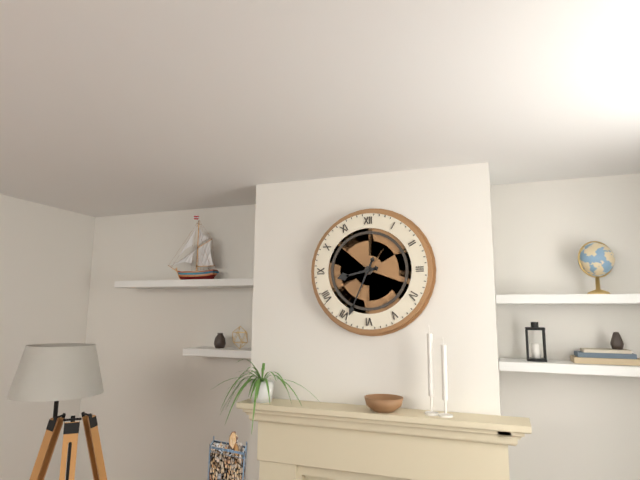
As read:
8:34
